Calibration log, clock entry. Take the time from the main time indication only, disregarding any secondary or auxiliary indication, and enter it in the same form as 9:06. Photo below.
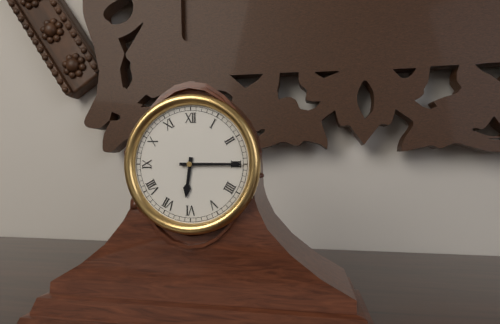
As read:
6:15
